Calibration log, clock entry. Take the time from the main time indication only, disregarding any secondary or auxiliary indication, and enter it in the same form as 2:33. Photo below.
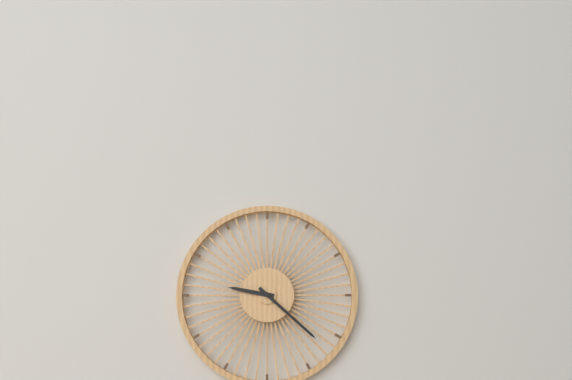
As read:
9:22
